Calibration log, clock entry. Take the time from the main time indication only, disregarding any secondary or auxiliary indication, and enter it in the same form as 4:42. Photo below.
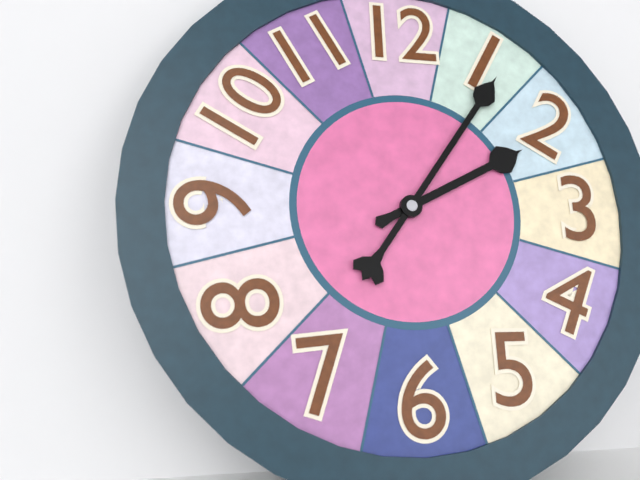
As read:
2:06
